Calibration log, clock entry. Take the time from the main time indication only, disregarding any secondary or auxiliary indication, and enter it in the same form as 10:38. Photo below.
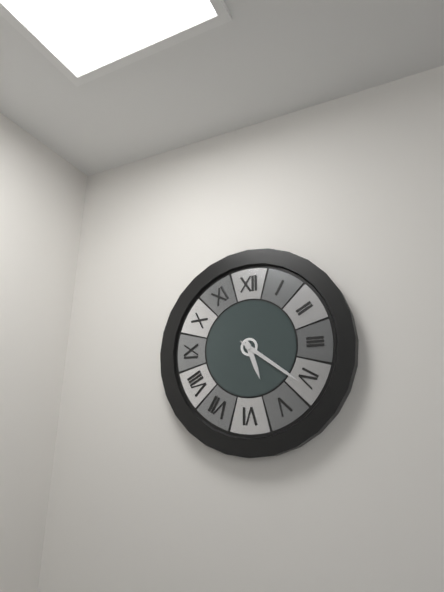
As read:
5:21
